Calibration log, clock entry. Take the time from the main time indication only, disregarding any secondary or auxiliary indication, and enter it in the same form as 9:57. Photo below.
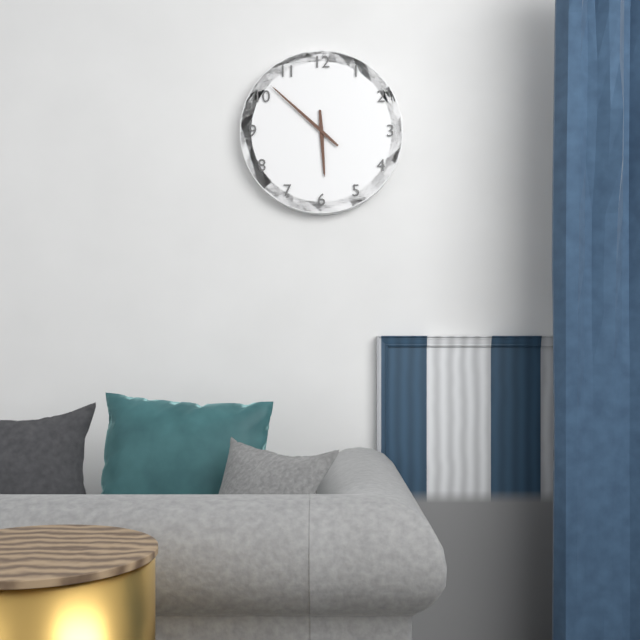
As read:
5:52
